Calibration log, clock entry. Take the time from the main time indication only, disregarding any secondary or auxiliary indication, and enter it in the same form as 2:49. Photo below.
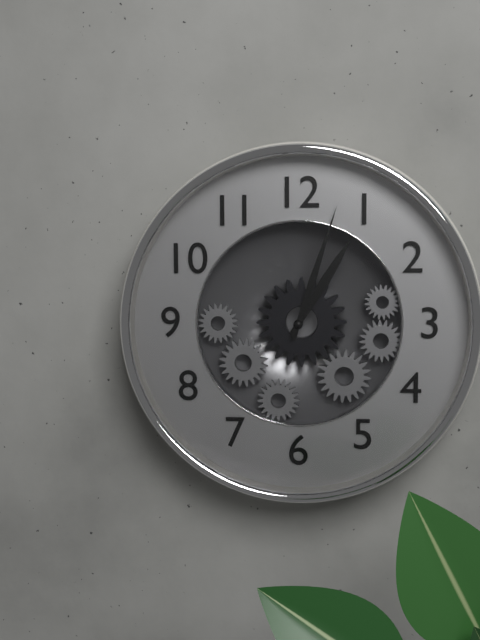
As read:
1:03
